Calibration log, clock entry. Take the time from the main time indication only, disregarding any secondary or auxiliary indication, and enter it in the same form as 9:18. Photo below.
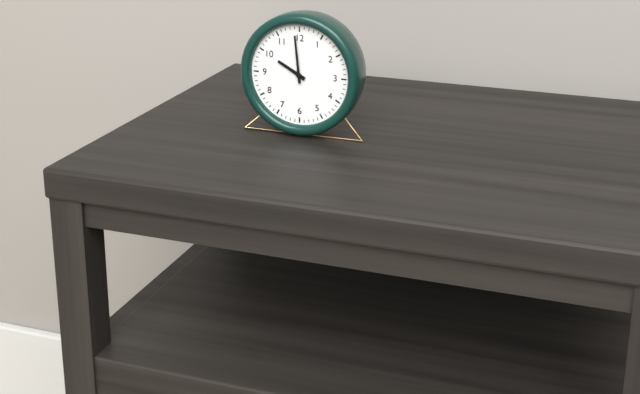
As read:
9:59
